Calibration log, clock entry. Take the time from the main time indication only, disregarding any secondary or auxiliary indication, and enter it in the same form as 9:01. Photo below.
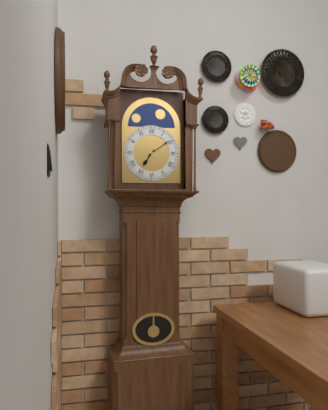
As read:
7:09
